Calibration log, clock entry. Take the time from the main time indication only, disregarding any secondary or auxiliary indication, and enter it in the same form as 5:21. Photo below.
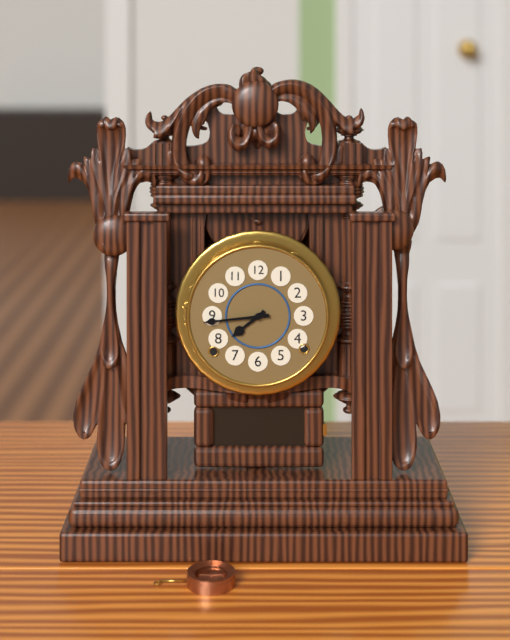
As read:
7:44
